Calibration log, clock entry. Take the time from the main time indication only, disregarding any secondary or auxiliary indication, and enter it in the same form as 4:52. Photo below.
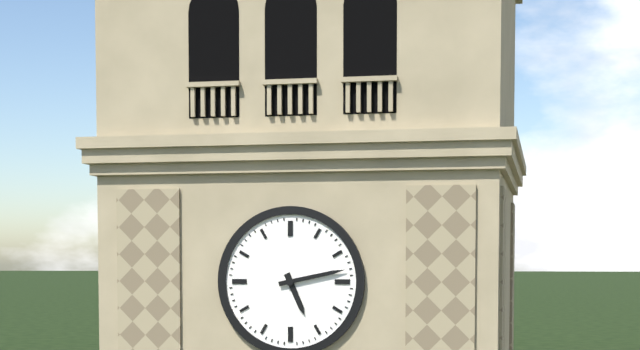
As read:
5:13
